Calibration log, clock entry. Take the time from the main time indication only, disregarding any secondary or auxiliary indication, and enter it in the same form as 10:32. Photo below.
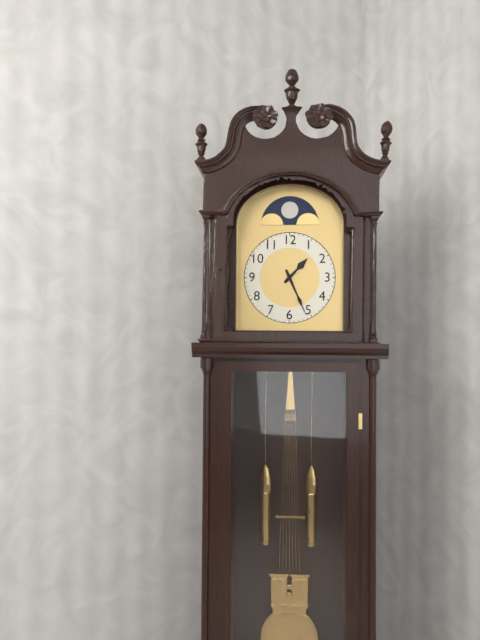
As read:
1:26
